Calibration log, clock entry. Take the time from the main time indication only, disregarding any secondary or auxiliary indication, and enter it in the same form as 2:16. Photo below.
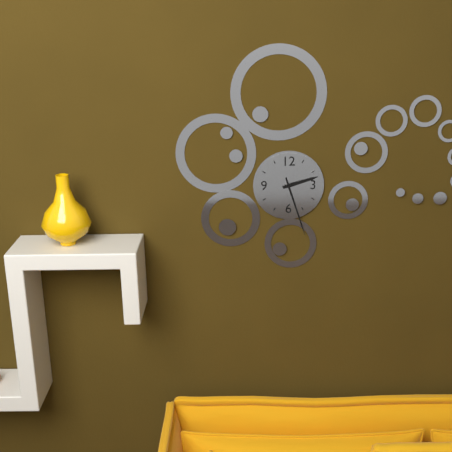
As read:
2:27
